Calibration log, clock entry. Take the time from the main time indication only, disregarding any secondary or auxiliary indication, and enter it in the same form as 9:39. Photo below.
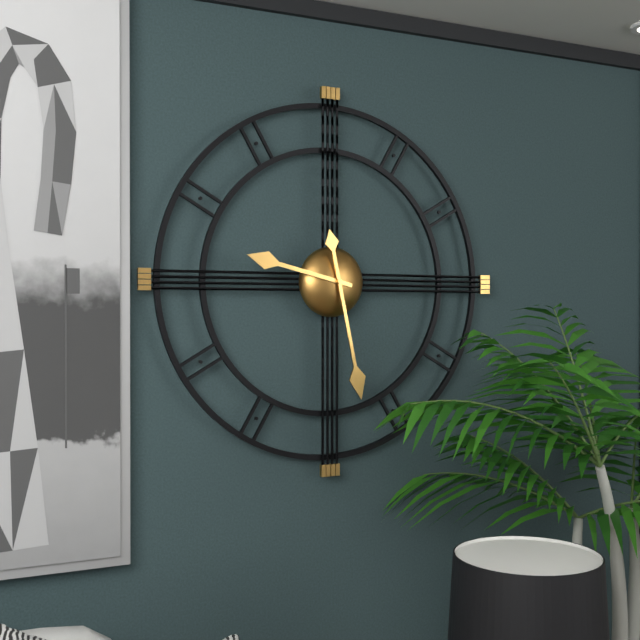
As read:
9:28
